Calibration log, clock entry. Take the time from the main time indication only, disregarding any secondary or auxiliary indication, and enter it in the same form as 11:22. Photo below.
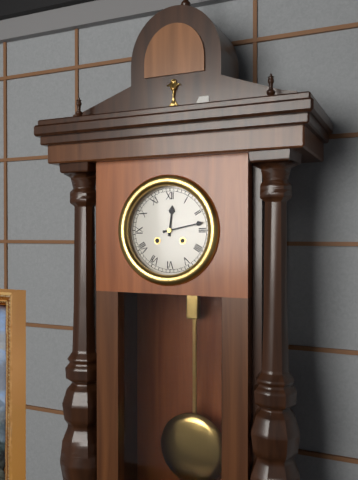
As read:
12:13
